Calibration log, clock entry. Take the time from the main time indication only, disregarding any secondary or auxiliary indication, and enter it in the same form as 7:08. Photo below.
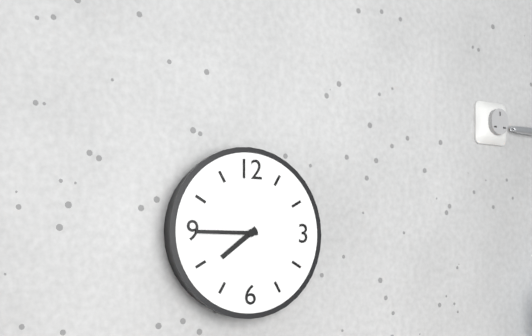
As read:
7:45
